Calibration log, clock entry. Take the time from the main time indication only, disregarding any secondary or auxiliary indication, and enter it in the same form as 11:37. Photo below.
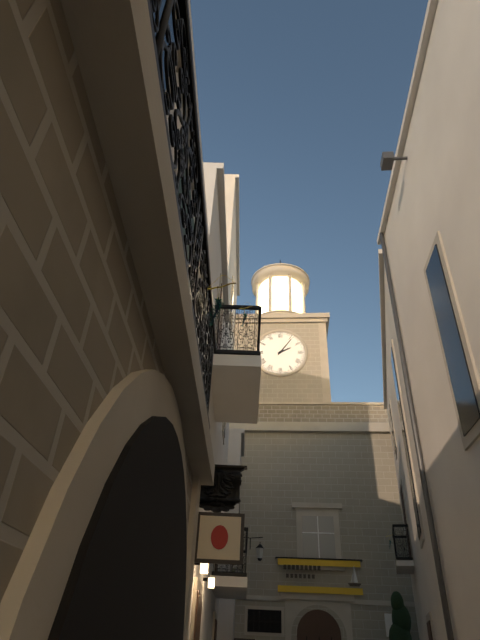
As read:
2:06
